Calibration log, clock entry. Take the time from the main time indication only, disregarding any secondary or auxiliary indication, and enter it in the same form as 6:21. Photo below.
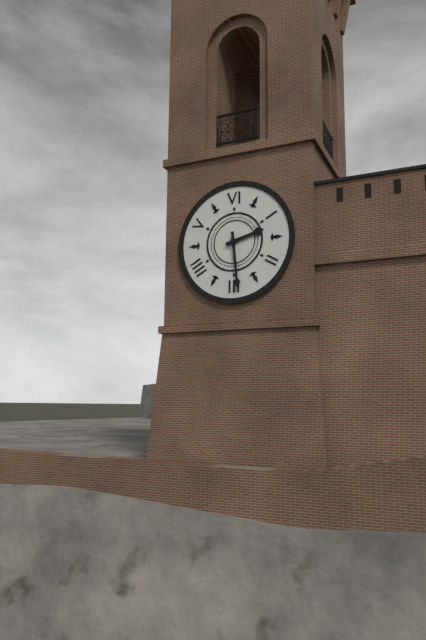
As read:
2:29
